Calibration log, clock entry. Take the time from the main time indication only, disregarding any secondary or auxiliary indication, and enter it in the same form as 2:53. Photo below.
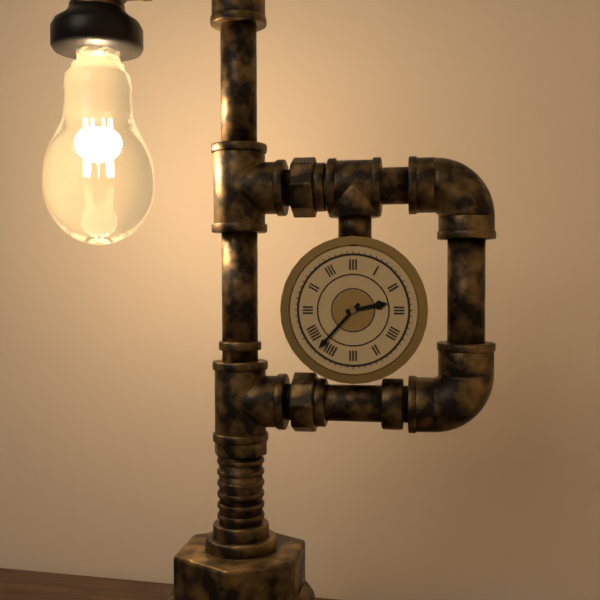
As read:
2:37
